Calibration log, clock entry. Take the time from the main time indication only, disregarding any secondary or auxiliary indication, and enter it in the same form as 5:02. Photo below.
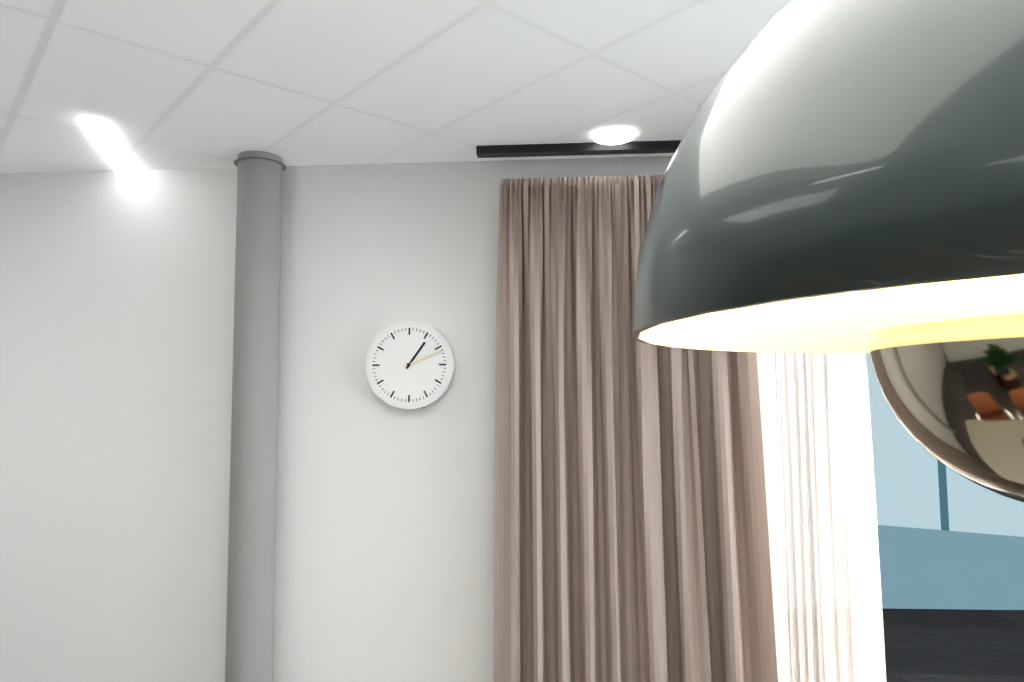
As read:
1:11
